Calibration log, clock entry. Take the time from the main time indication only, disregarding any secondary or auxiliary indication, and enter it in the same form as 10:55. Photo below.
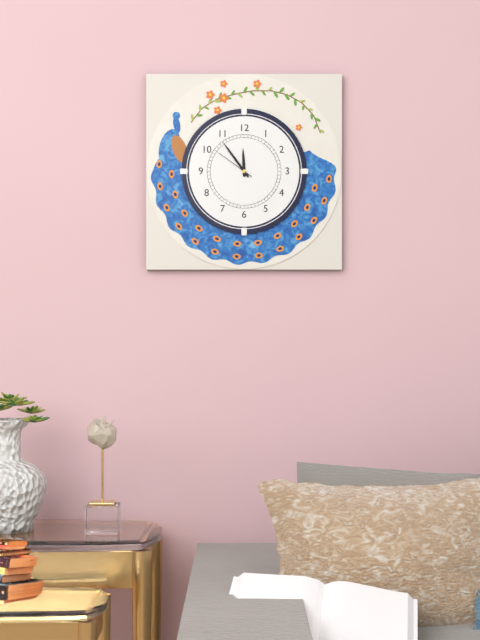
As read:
11:54
